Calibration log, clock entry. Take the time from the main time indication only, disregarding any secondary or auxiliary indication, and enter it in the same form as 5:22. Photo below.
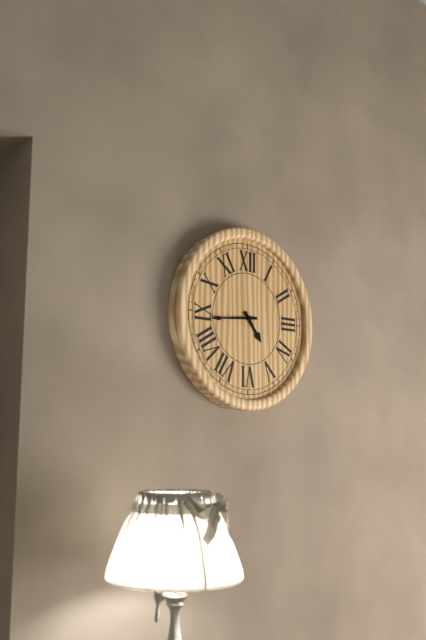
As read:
4:44
